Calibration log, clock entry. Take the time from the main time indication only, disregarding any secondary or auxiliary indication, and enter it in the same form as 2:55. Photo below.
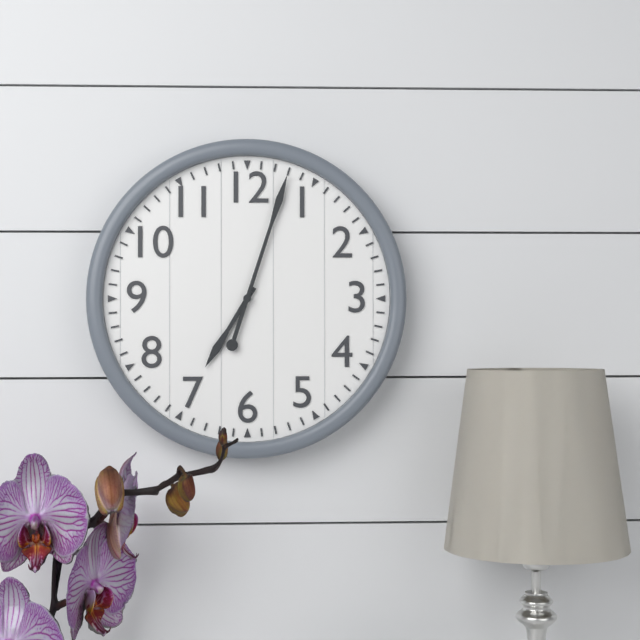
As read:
7:03
